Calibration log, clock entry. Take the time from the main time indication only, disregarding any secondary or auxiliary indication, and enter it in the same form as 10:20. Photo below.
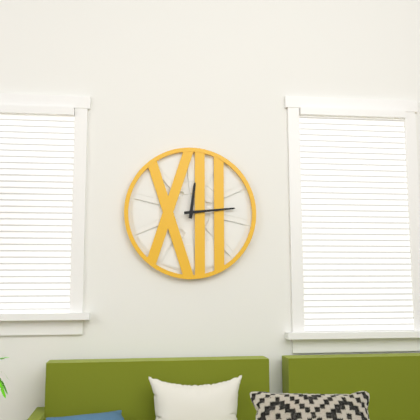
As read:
12:14
